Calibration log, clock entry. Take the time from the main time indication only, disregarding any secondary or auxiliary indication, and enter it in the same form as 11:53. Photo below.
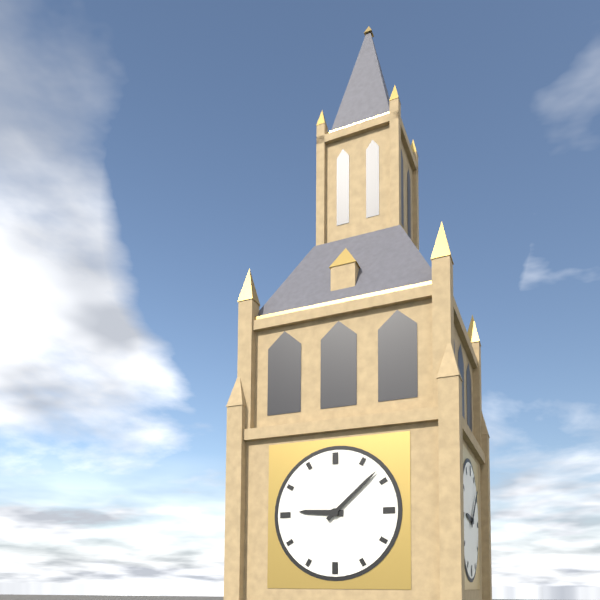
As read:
9:08
